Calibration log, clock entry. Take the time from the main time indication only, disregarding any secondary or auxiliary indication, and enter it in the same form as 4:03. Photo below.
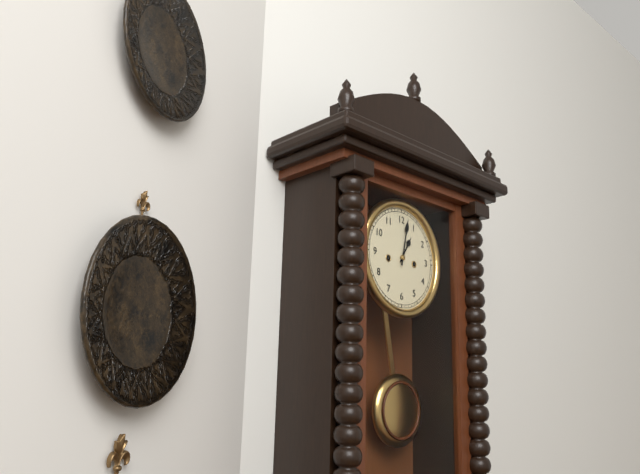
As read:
1:02
